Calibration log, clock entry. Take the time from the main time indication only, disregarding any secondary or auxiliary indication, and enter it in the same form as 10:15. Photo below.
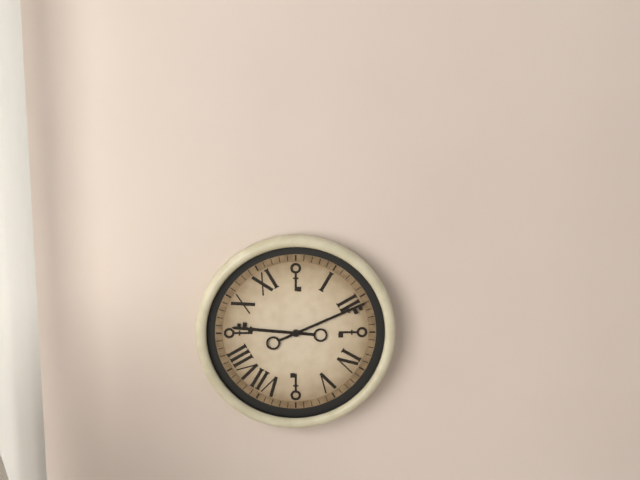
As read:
9:11
